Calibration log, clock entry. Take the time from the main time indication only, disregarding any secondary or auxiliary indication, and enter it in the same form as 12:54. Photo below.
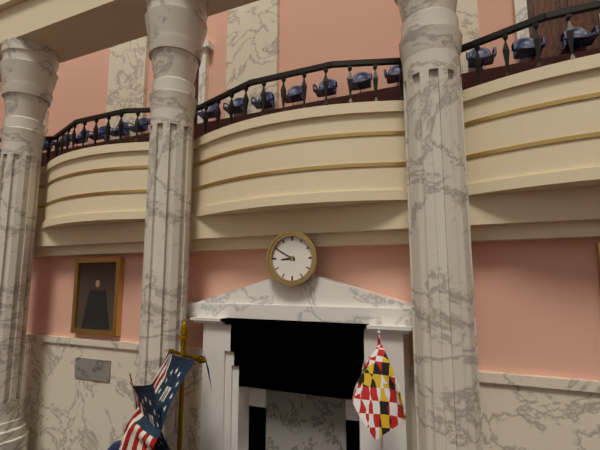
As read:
8:50
